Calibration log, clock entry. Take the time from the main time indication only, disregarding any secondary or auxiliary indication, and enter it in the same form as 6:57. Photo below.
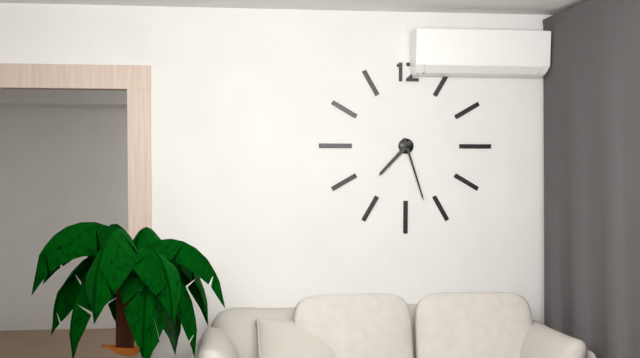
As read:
7:27
